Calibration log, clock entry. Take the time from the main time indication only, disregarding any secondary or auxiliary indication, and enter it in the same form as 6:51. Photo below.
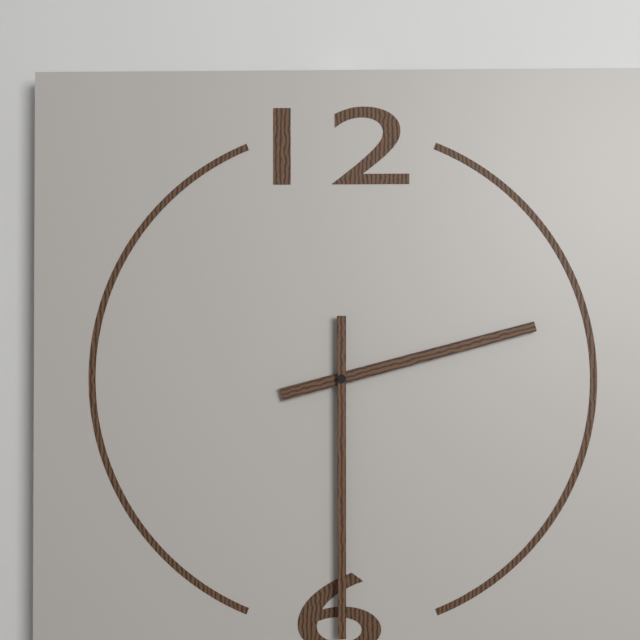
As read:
2:30
